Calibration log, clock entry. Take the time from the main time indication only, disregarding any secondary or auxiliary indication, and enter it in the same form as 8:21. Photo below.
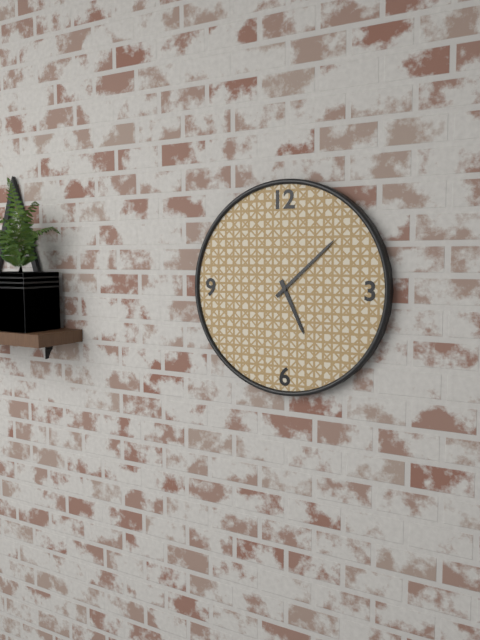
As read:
5:08
